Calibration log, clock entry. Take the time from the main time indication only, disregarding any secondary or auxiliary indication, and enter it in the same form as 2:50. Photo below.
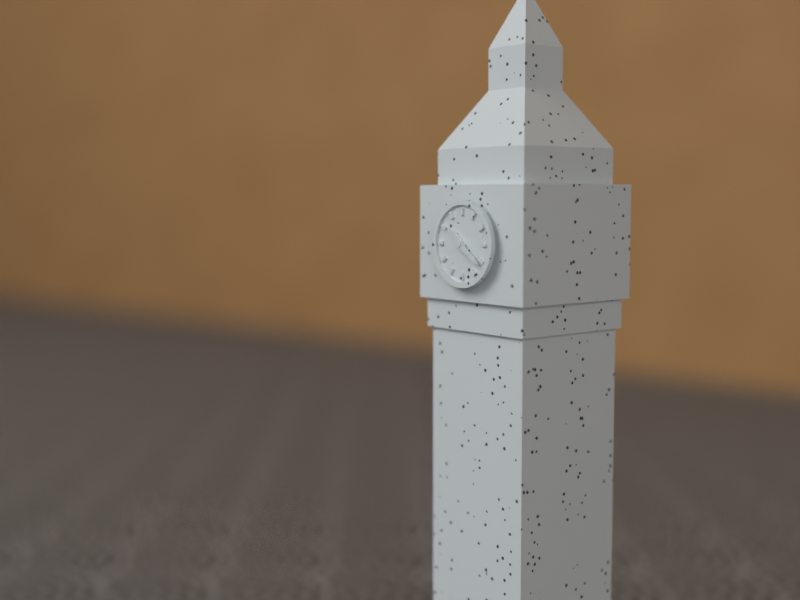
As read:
10:21
